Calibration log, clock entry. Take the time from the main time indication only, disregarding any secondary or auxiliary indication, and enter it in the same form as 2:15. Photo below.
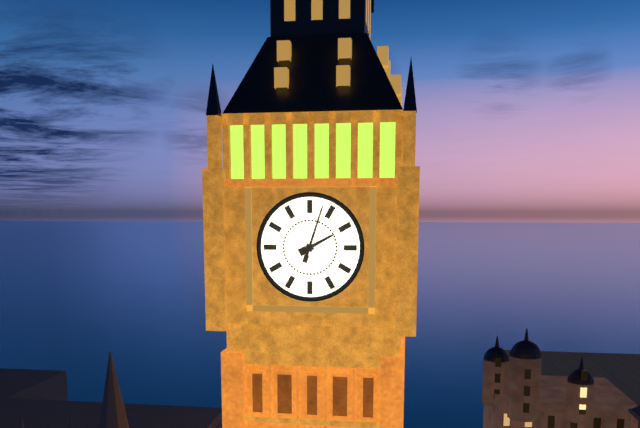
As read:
2:03
